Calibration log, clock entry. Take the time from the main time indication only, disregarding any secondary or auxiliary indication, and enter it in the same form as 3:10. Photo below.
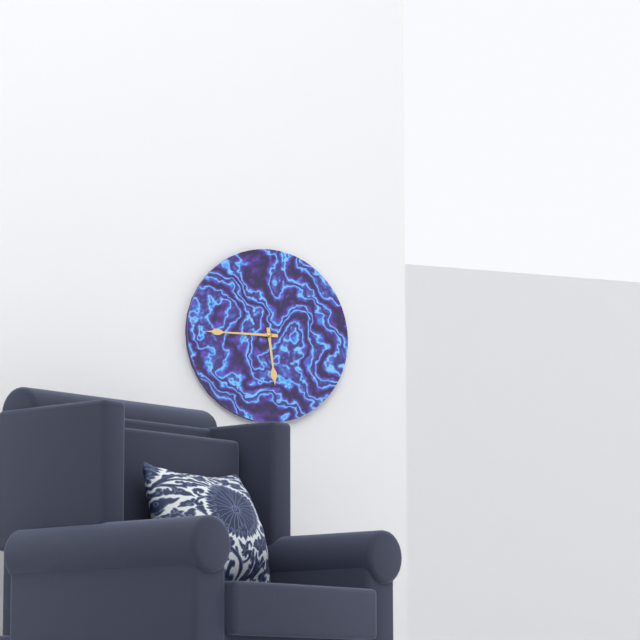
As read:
5:45
